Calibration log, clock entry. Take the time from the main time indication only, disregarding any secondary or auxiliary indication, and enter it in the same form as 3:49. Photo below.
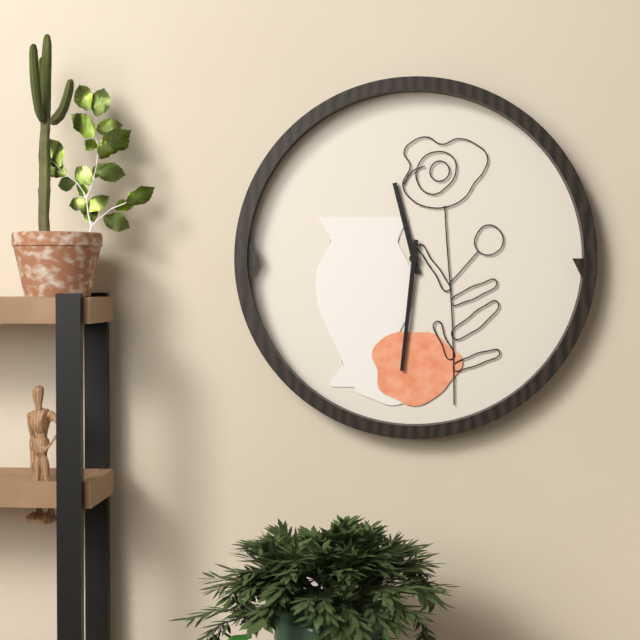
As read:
11:31
